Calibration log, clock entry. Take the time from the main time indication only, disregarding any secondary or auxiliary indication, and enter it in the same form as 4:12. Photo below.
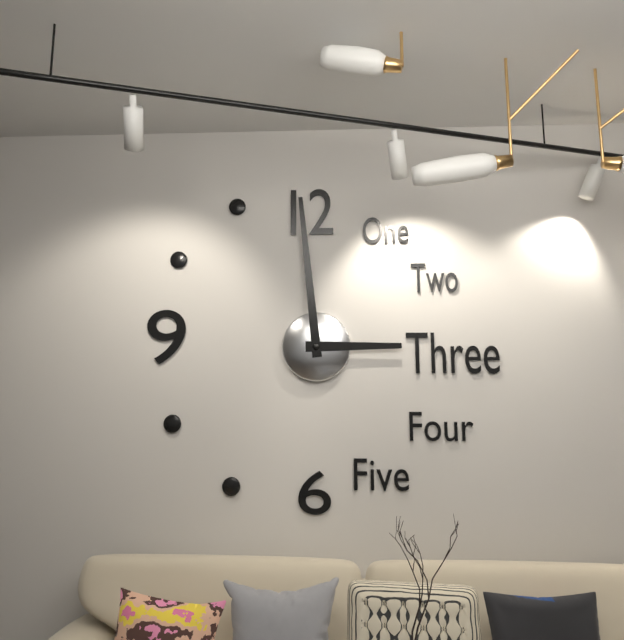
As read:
2:59
